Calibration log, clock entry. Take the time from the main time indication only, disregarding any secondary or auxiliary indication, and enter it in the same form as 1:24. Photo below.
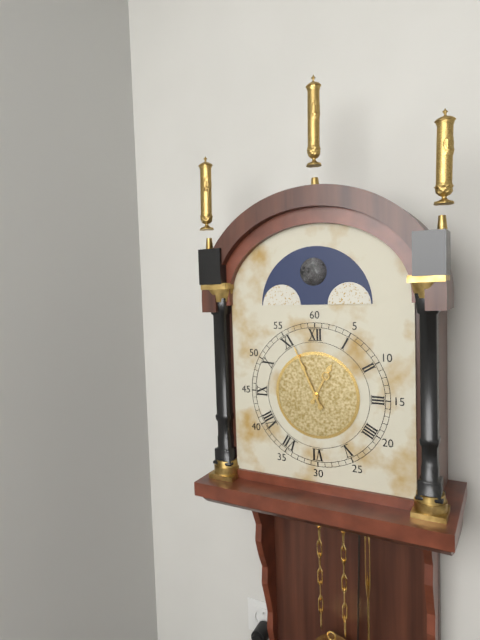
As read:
12:56
